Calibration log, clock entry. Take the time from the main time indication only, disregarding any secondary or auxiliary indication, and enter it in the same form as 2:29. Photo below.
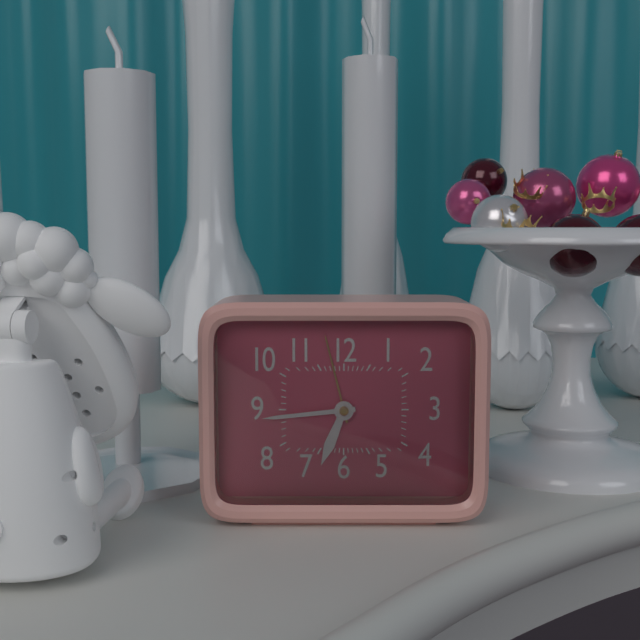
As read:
6:44
